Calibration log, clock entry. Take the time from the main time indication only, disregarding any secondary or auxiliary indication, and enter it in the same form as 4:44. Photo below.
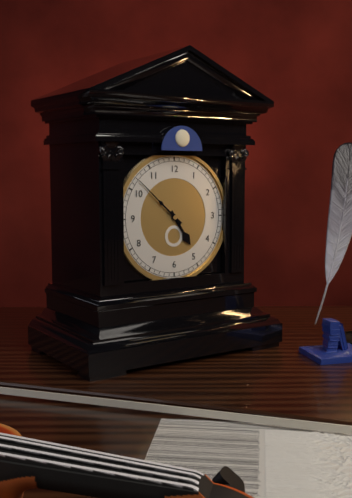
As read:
4:52
